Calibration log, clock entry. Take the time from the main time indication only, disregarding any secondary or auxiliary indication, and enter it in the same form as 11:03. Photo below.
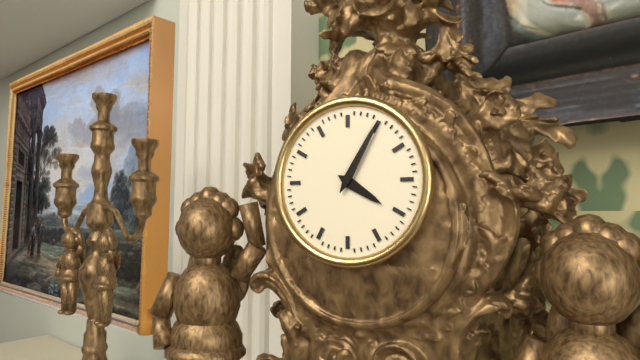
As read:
4:05
